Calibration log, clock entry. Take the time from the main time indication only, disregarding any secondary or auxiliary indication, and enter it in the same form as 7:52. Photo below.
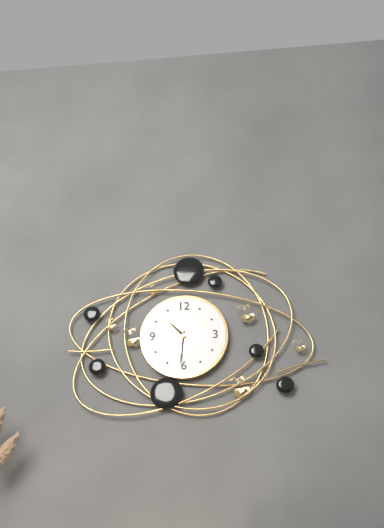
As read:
10:31
